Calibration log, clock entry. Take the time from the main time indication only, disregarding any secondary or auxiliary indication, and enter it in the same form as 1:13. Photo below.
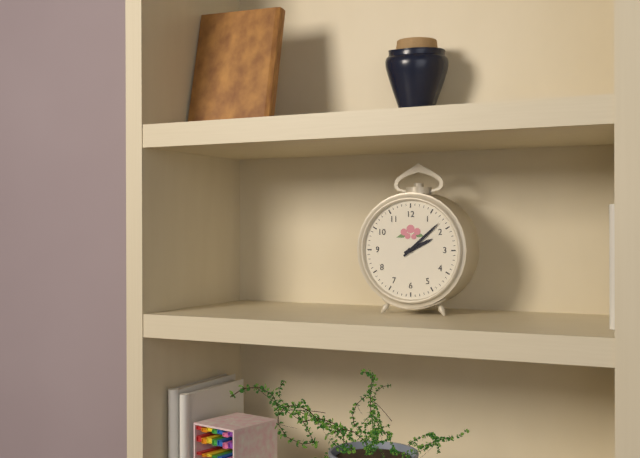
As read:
2:08
